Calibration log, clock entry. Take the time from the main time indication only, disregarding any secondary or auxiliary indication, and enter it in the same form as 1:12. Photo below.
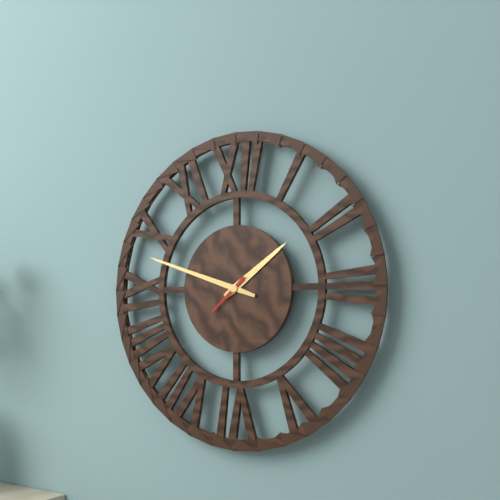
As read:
1:48
